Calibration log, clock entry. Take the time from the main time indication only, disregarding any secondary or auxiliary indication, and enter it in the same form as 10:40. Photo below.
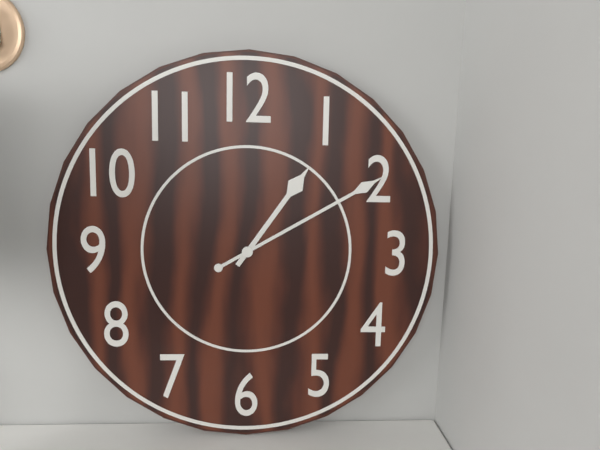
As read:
1:10
